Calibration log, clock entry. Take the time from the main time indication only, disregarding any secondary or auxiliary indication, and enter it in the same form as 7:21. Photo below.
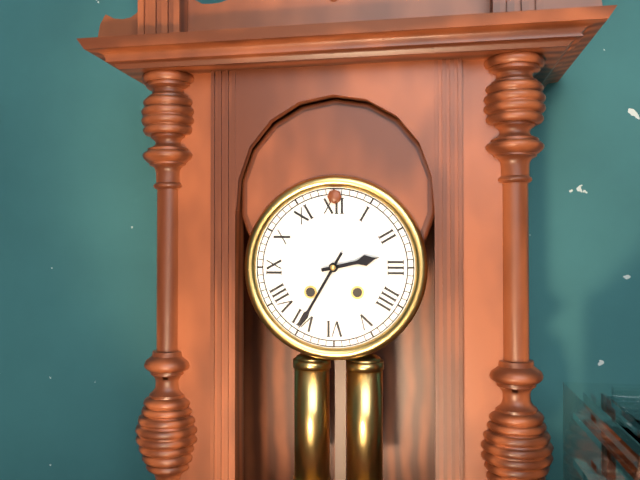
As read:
2:35
